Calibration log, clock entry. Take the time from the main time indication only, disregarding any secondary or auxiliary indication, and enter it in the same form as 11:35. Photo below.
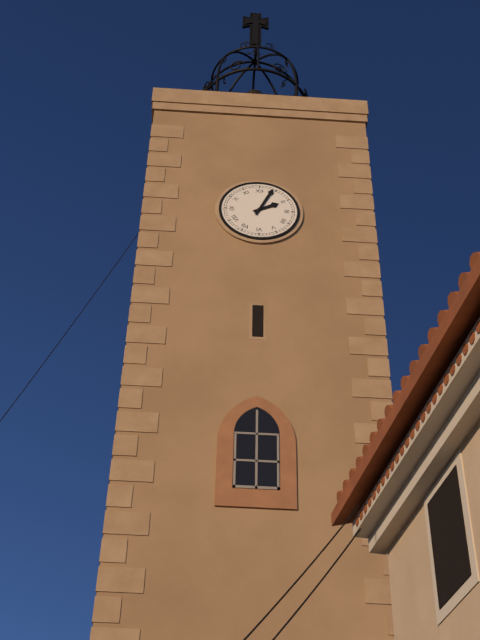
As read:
2:04
